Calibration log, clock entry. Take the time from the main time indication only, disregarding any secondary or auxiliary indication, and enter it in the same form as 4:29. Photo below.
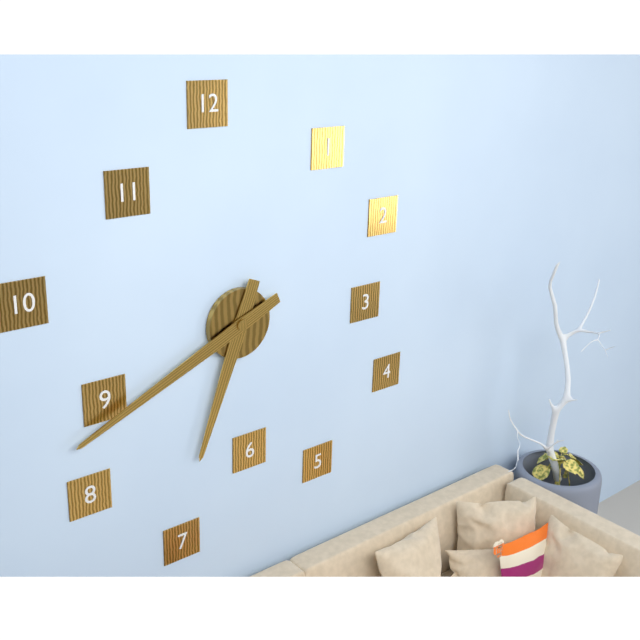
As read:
6:41
